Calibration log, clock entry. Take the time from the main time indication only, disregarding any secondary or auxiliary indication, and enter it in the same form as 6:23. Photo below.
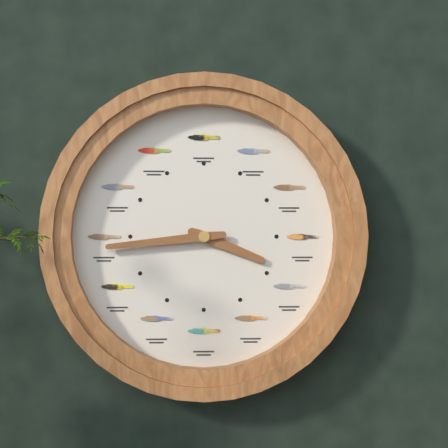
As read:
3:44
